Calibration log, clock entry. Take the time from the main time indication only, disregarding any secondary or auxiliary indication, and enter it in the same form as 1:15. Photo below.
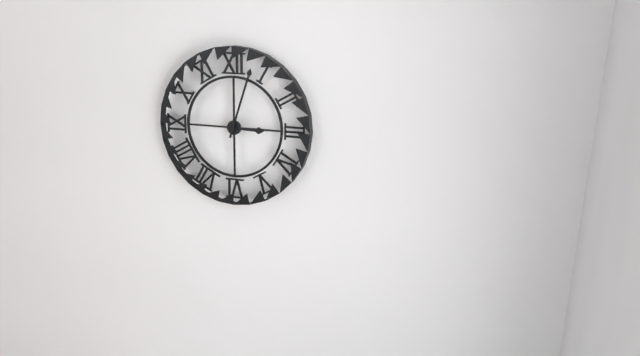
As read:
3:03
